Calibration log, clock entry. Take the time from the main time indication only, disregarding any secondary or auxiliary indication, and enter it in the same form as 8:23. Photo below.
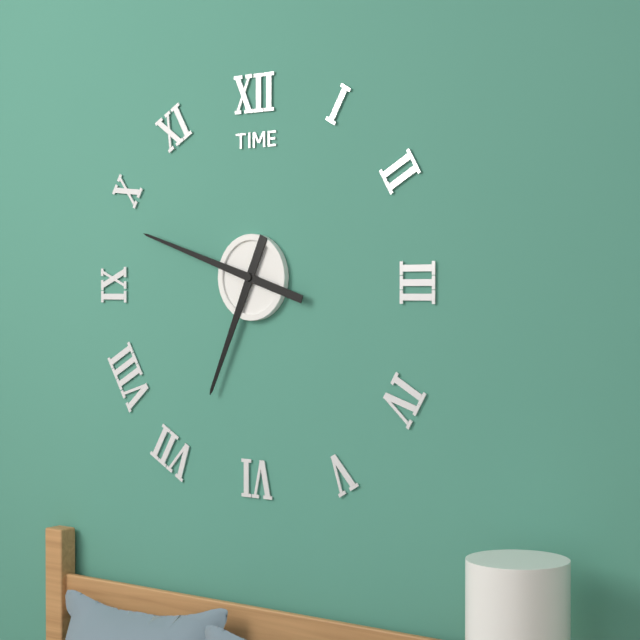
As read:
6:48
